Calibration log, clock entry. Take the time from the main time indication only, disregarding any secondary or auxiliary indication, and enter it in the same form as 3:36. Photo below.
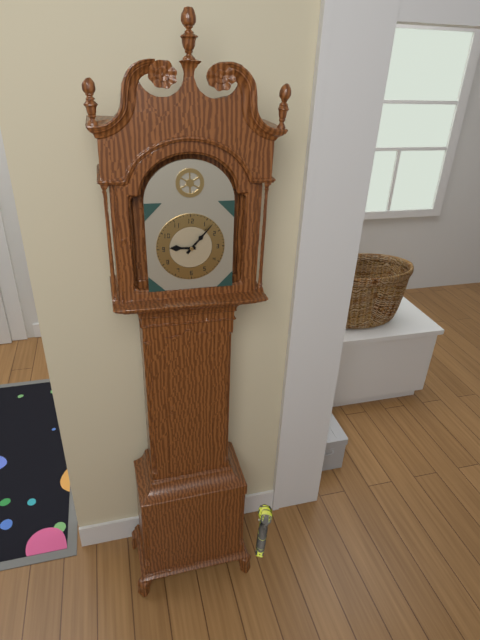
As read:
9:07
